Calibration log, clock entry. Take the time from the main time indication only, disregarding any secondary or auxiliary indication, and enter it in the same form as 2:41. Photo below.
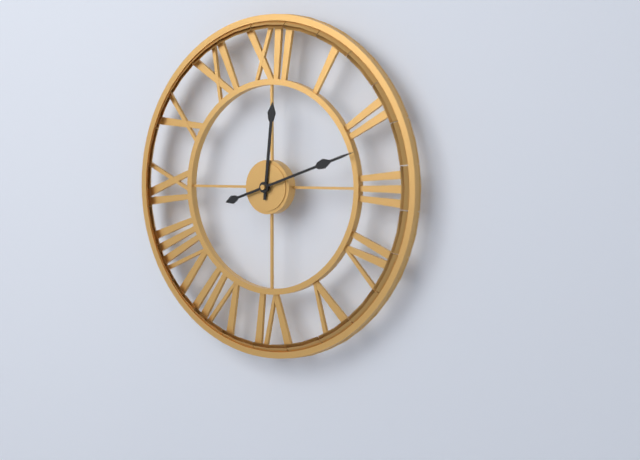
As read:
12:12
